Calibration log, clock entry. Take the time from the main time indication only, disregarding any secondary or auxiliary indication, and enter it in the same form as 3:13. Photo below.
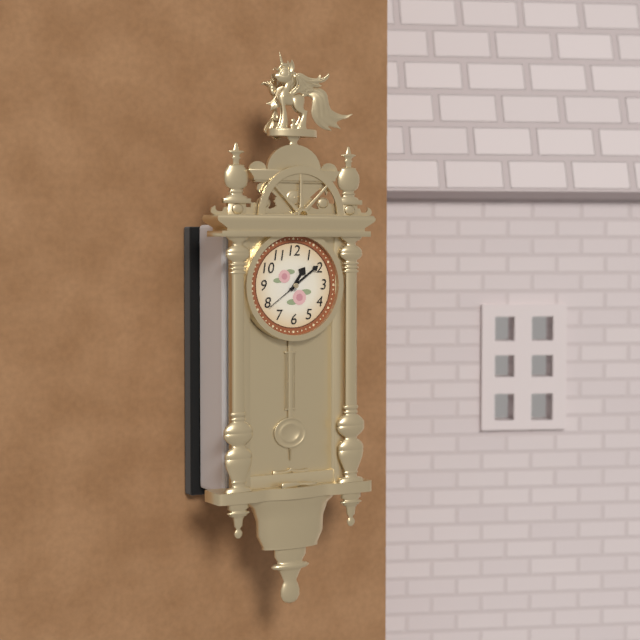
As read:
1:09
